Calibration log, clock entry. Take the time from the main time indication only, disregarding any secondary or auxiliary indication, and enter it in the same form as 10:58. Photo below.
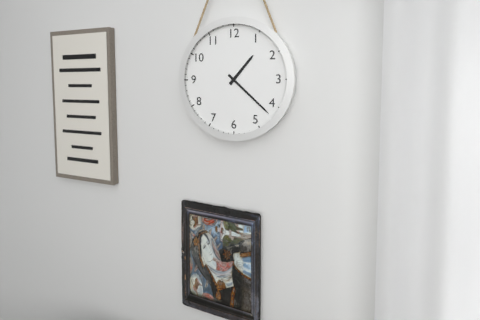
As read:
1:22
